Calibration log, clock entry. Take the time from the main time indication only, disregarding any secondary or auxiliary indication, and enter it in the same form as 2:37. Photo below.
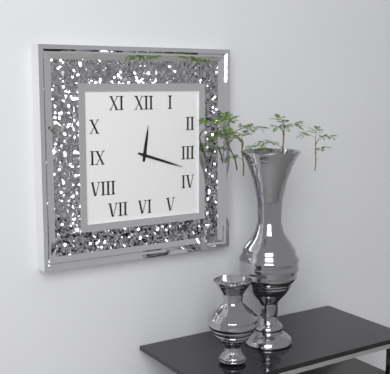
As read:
12:18
